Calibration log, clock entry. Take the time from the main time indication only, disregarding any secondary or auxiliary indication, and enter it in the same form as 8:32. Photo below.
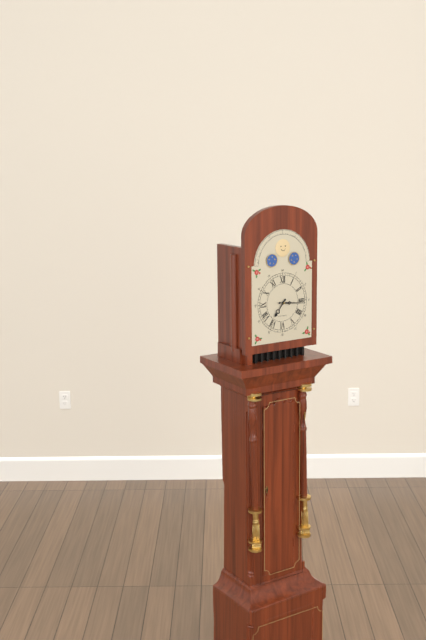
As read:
7:16
